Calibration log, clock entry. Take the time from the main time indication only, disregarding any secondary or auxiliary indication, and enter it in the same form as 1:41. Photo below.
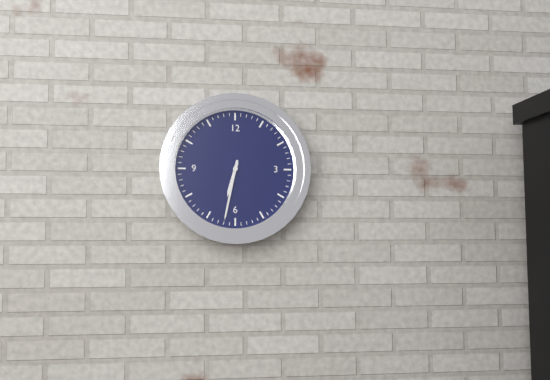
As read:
6:32
